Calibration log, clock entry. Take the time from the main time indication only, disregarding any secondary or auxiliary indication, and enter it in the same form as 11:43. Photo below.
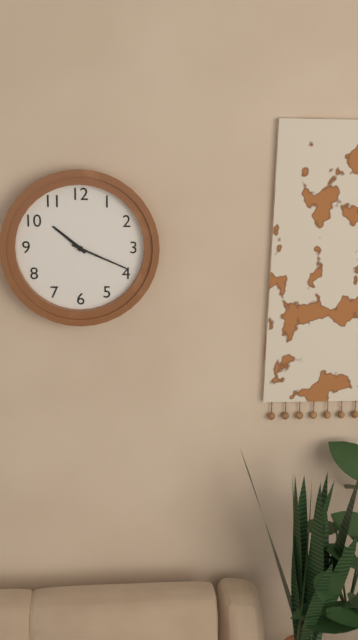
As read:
10:19
